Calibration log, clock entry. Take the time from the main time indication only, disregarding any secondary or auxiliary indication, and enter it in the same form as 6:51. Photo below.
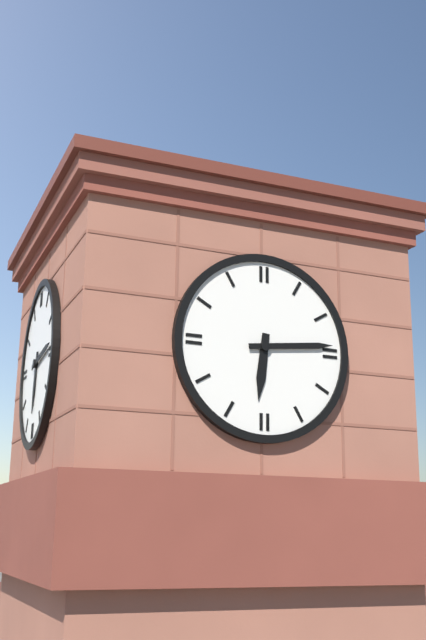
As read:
6:14
